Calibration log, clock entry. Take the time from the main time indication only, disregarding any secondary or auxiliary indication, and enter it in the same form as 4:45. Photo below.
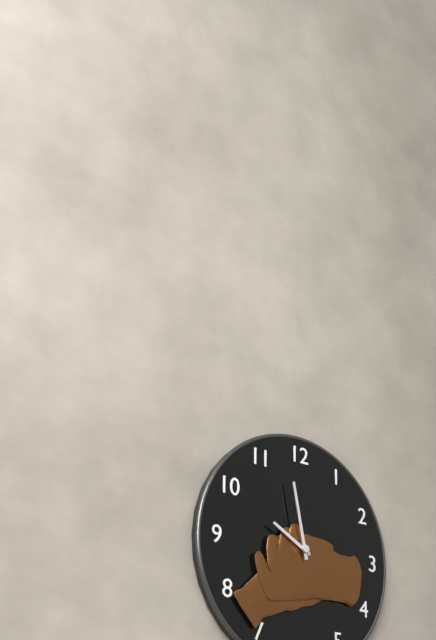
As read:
9:58
